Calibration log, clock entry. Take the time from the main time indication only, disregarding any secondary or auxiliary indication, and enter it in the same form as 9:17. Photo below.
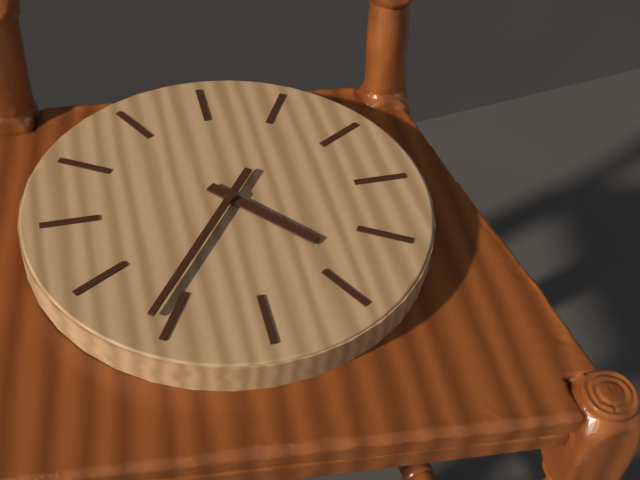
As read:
4:36
